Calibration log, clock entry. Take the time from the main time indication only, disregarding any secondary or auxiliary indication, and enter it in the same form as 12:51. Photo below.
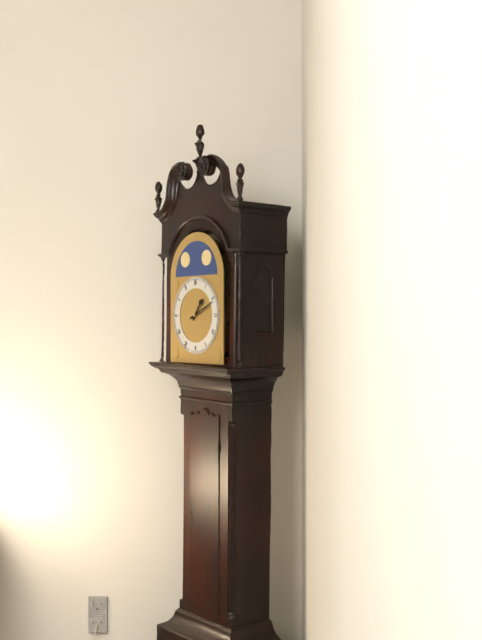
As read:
1:11
